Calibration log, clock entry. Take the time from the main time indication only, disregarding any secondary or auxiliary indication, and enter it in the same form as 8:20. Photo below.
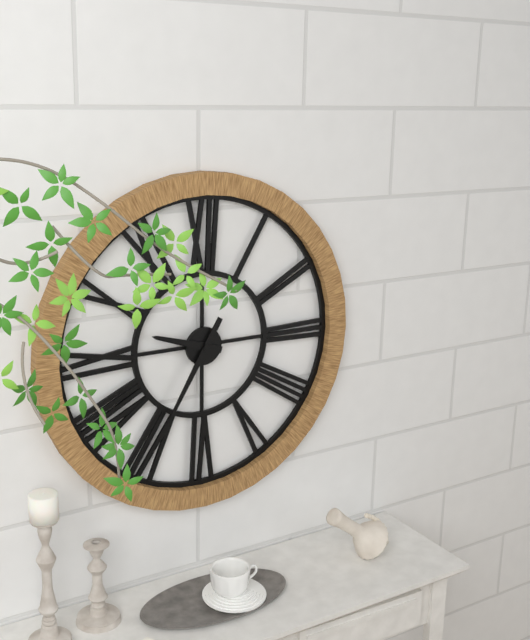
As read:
9:35
